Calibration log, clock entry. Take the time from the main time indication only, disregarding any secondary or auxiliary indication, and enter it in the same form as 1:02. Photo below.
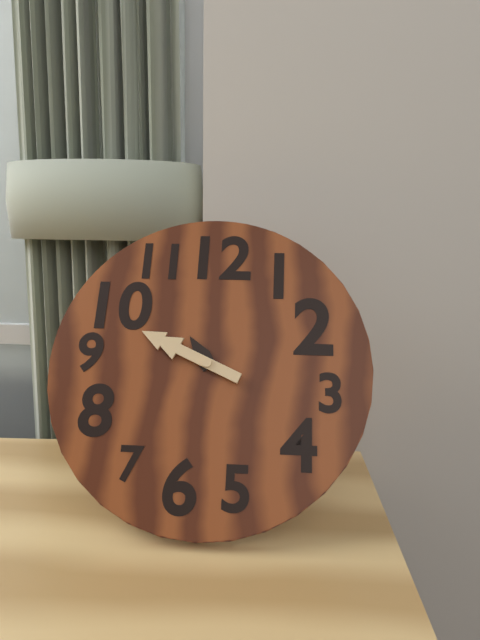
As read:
10:49
